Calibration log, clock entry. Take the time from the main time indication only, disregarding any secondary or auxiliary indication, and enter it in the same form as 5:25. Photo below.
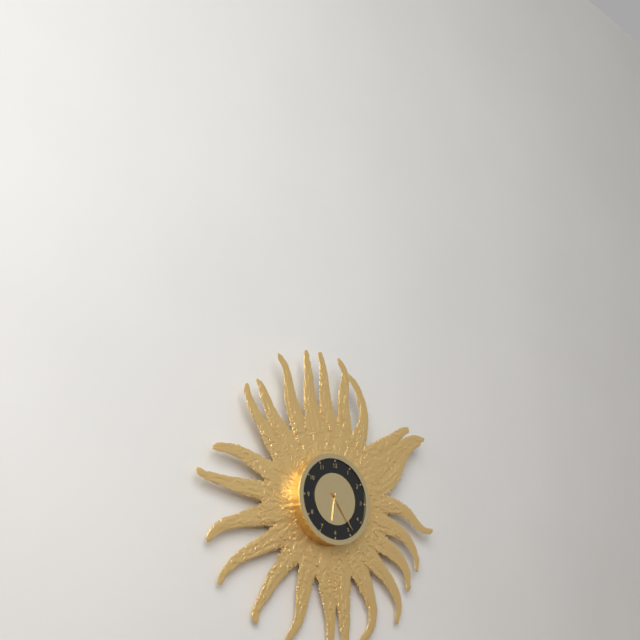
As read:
6:24
